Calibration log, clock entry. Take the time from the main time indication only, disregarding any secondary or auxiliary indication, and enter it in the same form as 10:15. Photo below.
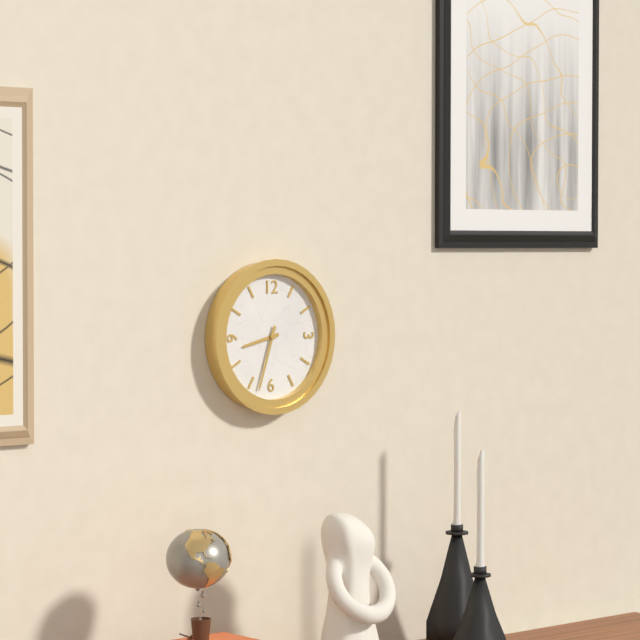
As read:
8:33
